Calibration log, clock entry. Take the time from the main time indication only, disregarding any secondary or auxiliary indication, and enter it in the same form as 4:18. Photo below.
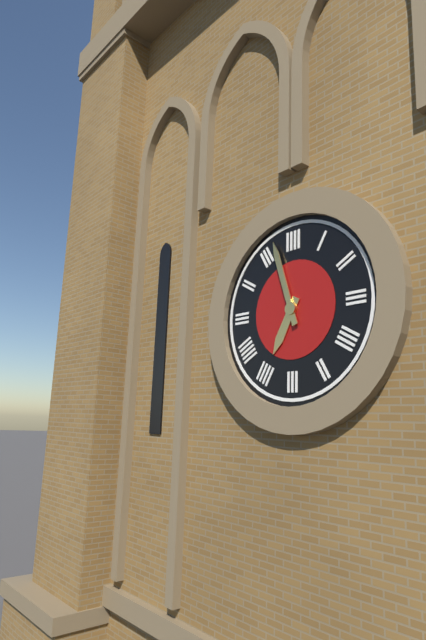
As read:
6:57
